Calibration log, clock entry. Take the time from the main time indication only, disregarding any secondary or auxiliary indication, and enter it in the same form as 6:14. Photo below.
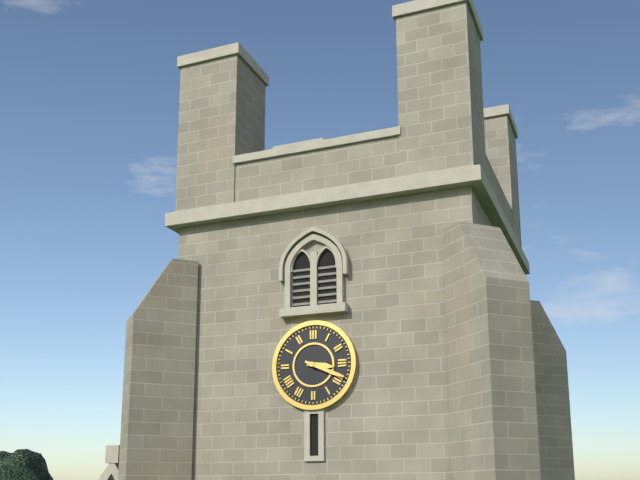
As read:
3:19
